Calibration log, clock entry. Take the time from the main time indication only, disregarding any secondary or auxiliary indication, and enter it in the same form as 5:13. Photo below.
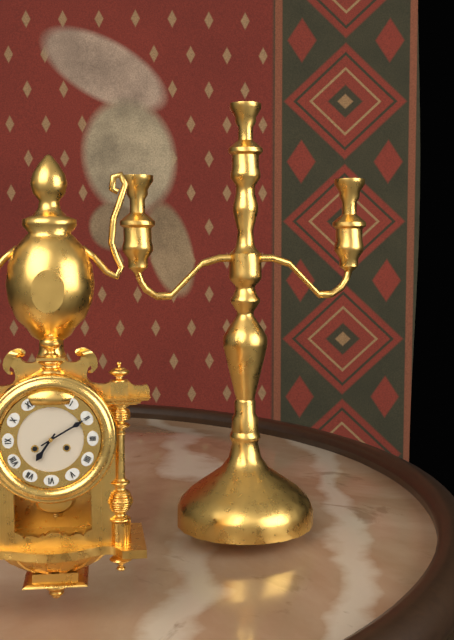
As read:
7:10
